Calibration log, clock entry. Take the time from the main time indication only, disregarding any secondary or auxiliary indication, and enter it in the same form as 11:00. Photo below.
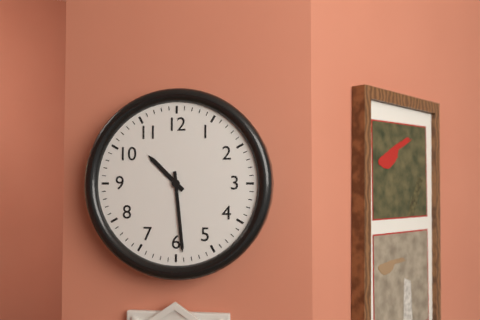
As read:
10:29
